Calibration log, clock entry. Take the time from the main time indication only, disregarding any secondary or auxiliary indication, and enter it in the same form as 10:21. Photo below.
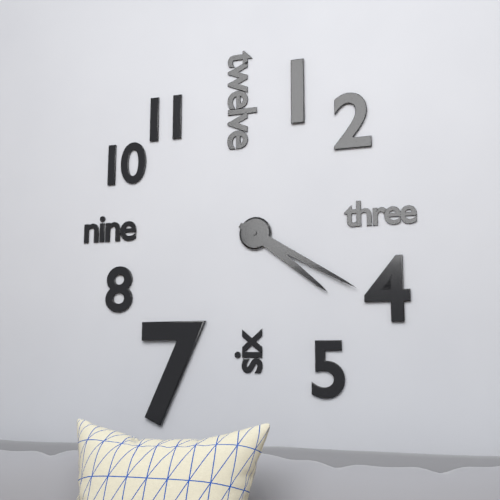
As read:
4:20
